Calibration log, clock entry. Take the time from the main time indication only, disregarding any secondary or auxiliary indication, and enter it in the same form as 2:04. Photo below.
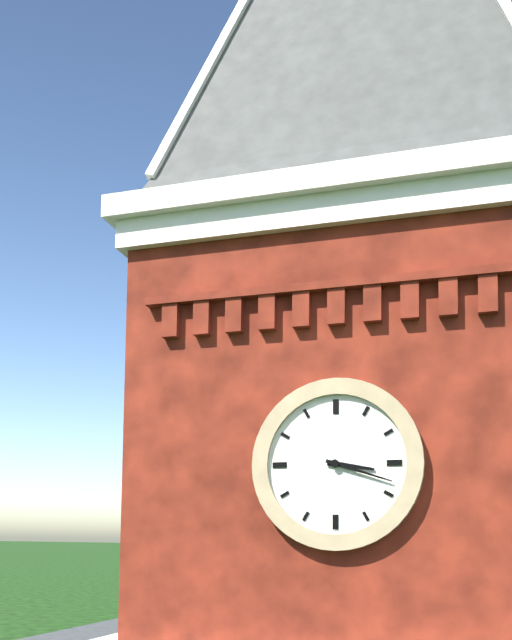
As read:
3:18
